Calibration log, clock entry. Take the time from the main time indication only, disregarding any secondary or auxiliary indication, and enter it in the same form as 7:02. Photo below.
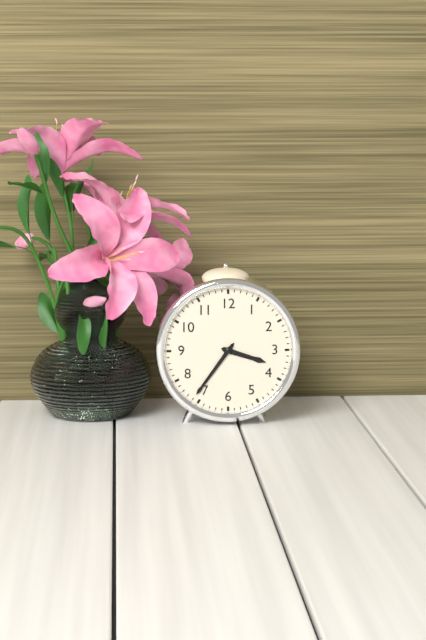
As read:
3:36
